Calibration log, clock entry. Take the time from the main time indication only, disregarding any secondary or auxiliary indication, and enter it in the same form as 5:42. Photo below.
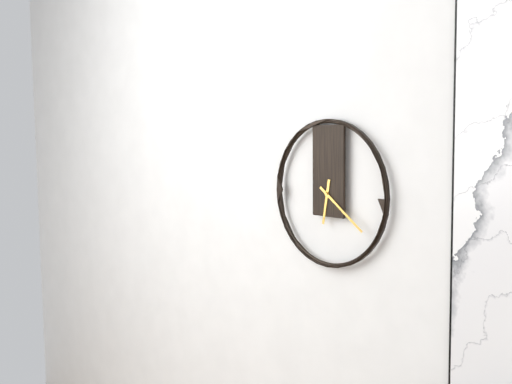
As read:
6:21
